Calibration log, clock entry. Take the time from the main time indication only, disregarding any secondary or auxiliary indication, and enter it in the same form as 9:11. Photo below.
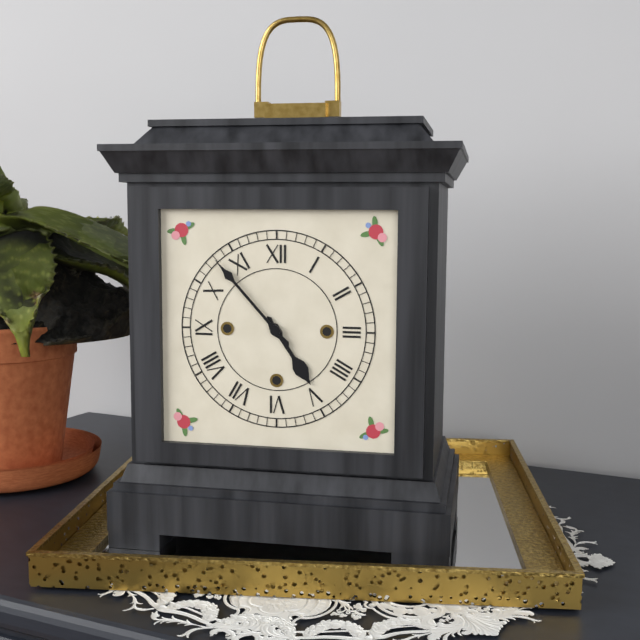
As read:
4:53
